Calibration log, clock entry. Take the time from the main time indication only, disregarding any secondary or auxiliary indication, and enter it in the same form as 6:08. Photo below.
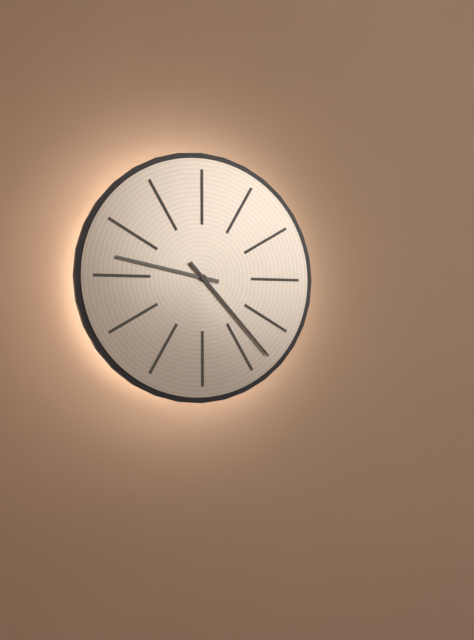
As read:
9:23
